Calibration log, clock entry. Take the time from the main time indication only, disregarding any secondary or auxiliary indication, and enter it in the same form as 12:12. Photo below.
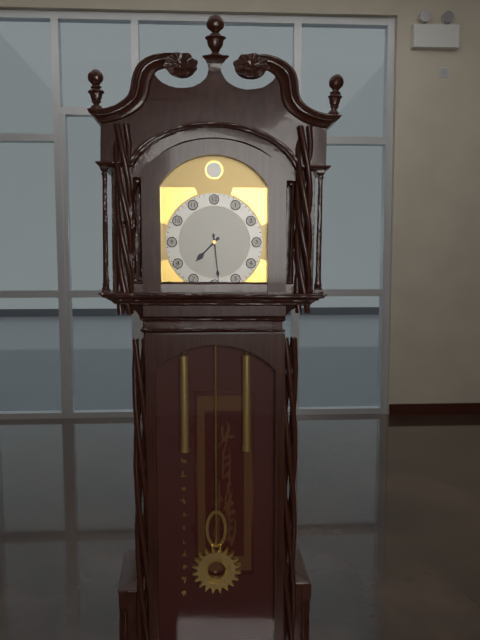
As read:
7:29
